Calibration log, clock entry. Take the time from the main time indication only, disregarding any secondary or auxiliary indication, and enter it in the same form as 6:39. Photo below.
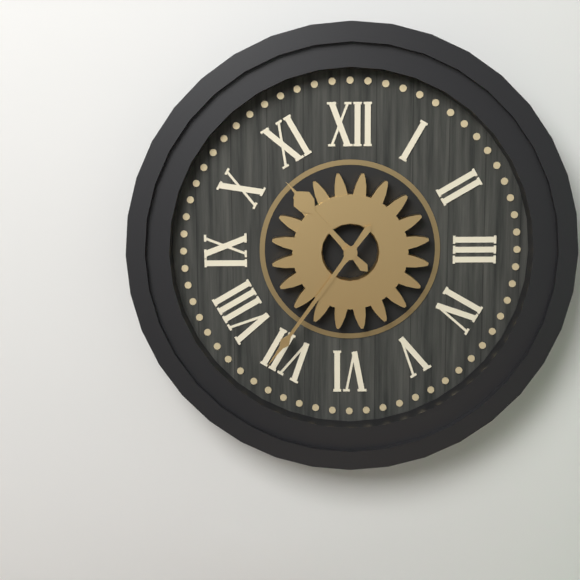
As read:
10:36
